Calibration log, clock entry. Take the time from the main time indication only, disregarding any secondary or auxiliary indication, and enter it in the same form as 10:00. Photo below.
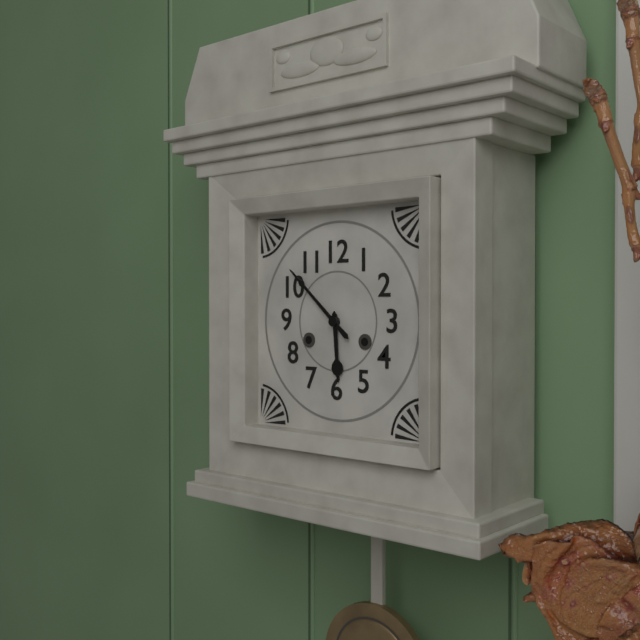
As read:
5:52
